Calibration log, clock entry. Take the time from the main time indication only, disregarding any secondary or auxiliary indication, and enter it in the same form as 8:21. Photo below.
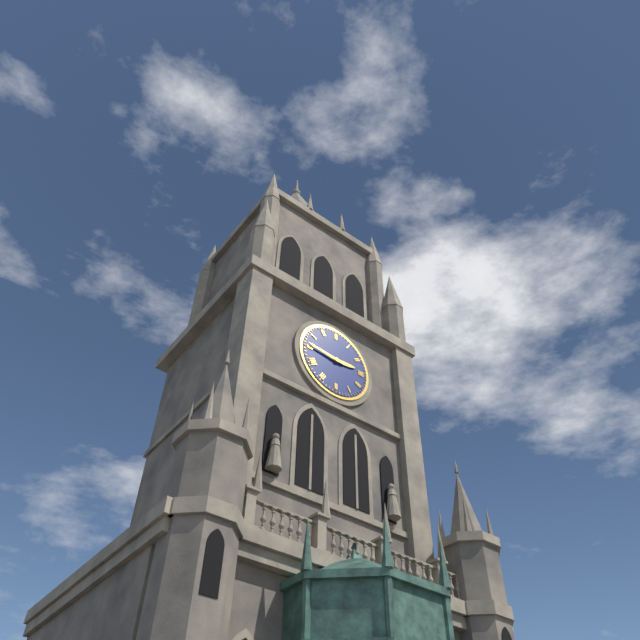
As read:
2:46
